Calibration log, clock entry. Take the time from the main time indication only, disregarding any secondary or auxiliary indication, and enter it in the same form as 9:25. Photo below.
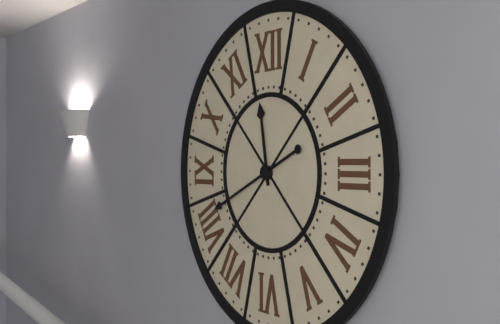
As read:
11:41
